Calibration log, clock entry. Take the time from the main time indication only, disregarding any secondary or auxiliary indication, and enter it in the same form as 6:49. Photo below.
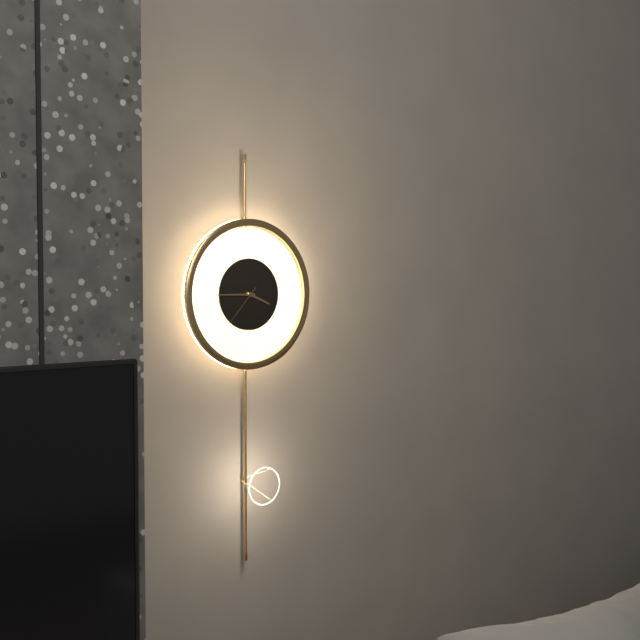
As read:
3:45
